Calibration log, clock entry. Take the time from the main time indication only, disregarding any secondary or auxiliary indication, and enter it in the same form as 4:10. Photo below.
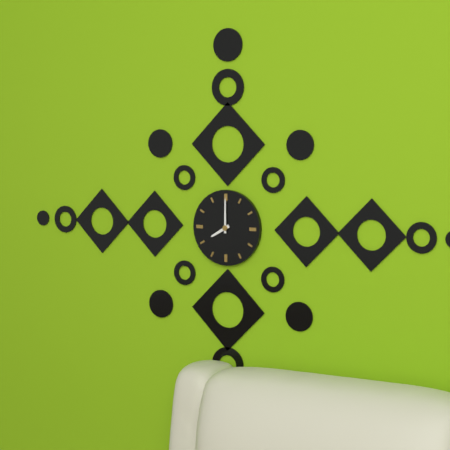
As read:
8:00
